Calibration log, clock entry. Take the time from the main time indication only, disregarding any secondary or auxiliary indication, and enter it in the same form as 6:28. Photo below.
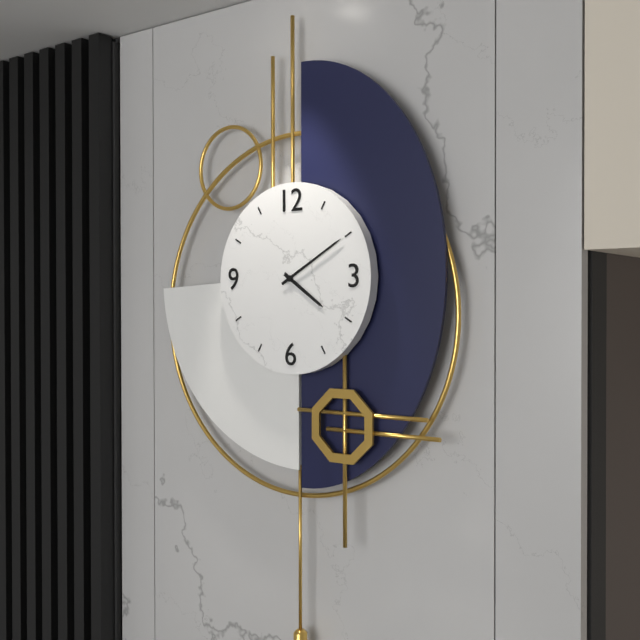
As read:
4:10
